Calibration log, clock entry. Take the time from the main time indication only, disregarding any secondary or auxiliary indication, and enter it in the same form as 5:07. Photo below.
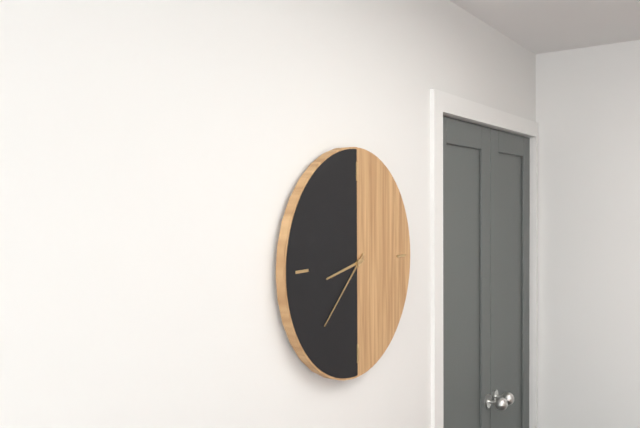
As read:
8:38
